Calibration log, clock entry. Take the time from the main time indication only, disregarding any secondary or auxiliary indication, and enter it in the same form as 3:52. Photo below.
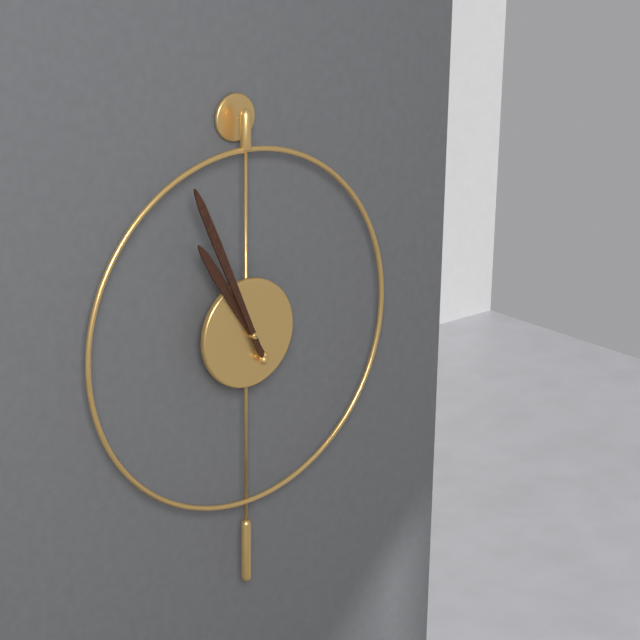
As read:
10:56
